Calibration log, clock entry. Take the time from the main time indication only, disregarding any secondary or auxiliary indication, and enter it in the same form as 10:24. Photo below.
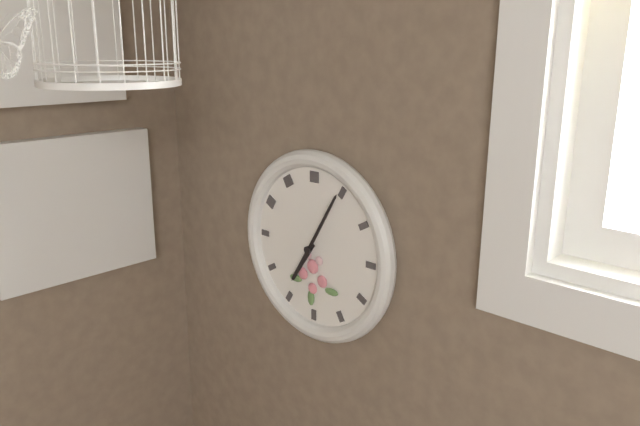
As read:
7:05
